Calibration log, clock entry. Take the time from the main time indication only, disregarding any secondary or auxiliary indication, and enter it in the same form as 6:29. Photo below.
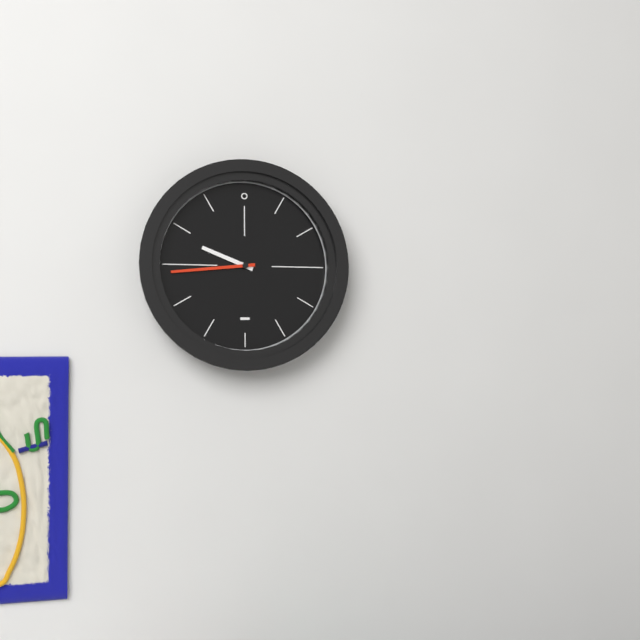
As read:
9:44
